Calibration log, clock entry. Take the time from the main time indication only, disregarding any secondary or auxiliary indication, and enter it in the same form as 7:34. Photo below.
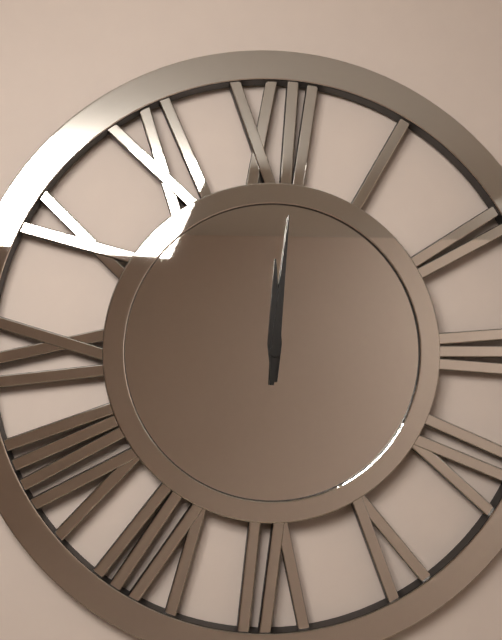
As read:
12:01
